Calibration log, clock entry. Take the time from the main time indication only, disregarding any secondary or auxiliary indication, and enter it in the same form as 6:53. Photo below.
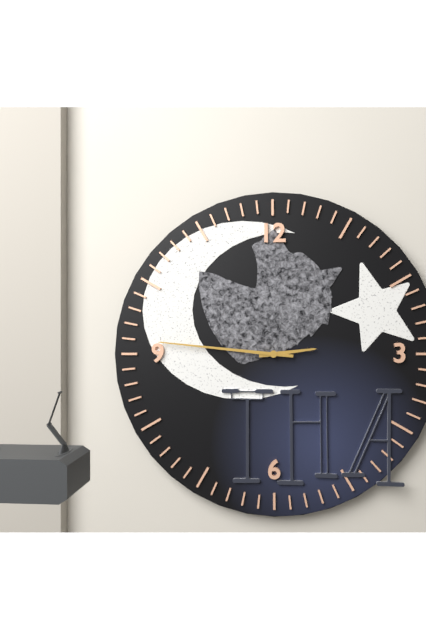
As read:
2:46
